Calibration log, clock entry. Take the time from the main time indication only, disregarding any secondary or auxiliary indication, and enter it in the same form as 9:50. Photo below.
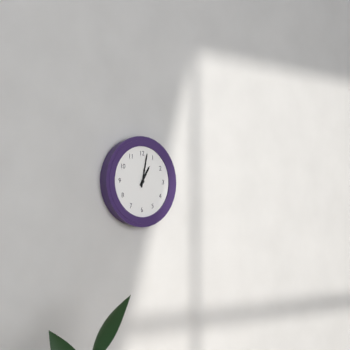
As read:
1:02
